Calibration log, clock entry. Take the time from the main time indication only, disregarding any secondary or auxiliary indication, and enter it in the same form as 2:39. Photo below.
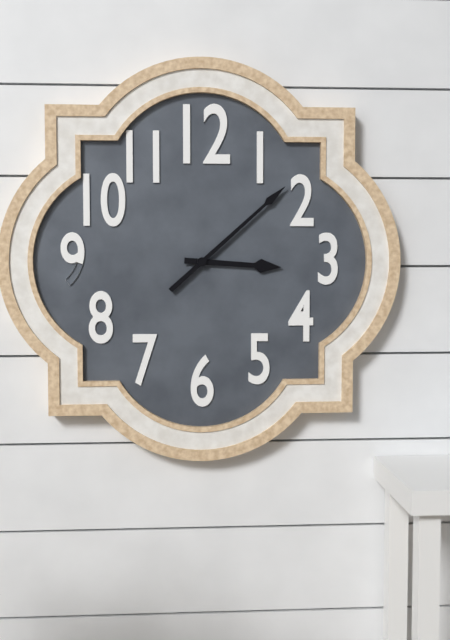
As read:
3:08
